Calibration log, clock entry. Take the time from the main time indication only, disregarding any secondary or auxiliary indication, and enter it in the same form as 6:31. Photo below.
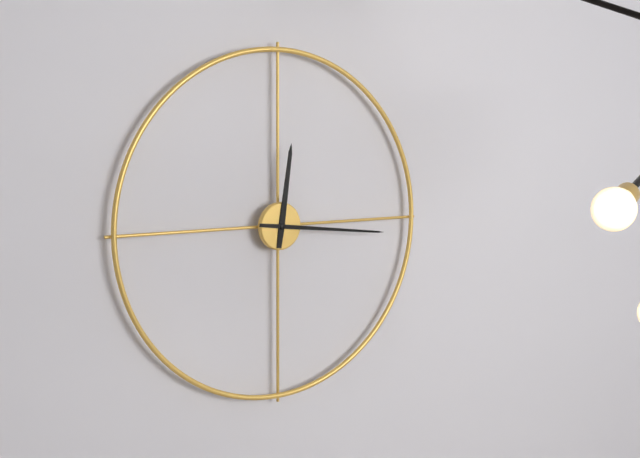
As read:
12:16
